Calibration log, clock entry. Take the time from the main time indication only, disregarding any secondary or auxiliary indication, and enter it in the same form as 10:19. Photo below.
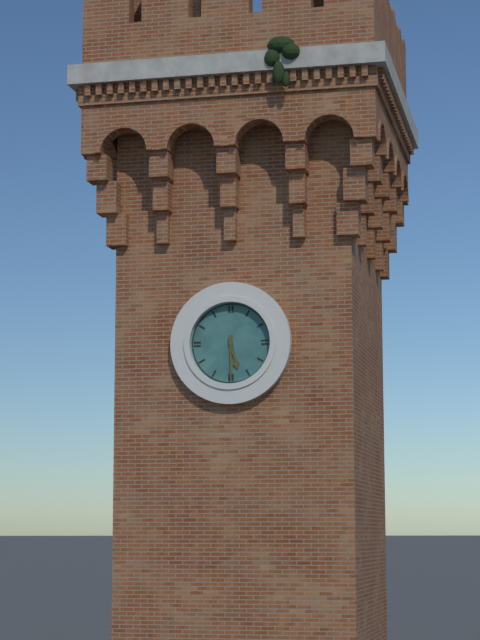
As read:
5:30
